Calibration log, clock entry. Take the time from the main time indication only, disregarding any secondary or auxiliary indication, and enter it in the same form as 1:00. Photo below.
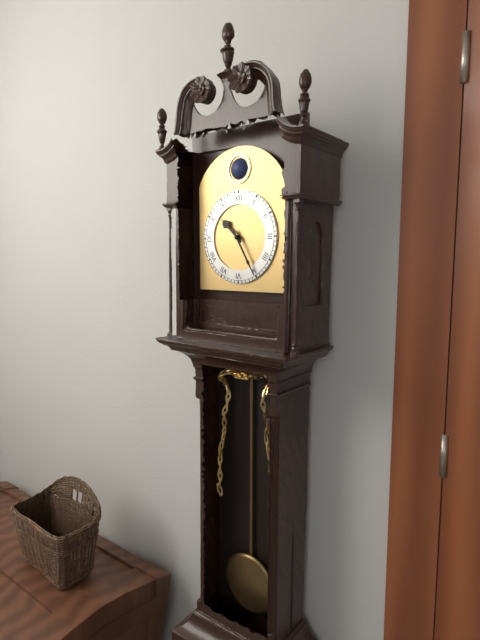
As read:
10:25
